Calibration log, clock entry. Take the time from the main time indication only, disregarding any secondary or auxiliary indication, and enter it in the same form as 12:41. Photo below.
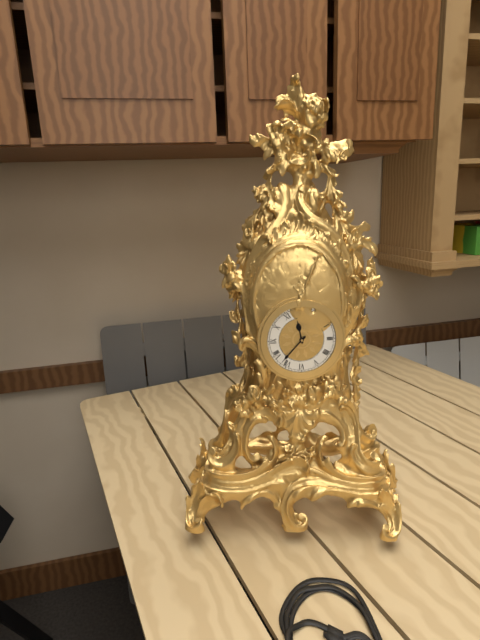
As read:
11:37
